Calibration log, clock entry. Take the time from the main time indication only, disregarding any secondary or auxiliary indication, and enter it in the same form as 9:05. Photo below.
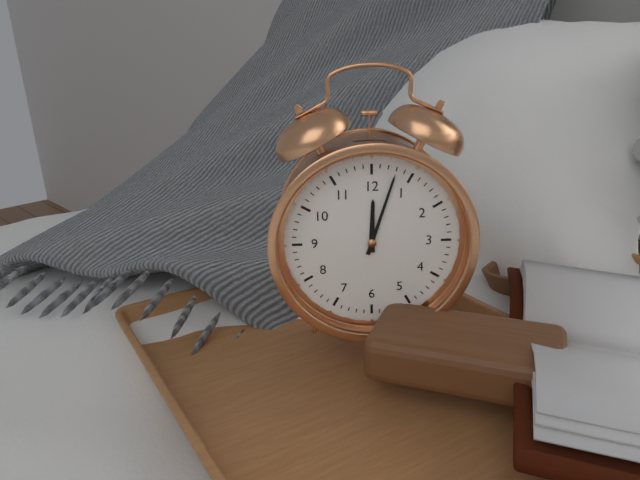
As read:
12:03
